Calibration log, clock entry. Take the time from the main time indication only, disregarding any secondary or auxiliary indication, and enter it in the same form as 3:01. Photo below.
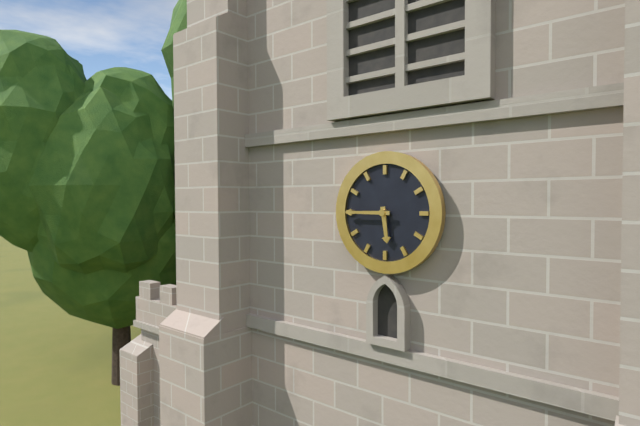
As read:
5:45
